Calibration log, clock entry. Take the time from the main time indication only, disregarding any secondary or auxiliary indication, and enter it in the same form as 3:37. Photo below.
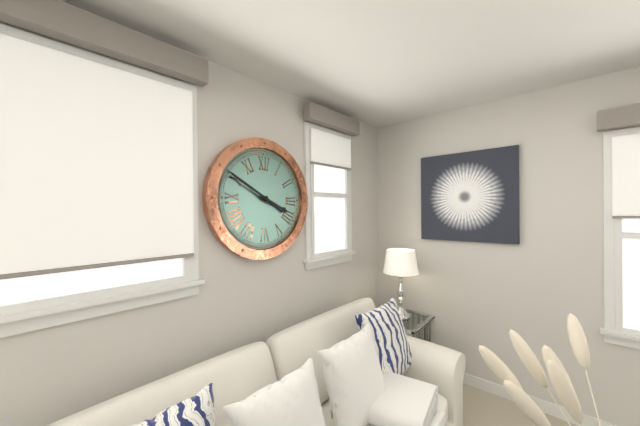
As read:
3:50
